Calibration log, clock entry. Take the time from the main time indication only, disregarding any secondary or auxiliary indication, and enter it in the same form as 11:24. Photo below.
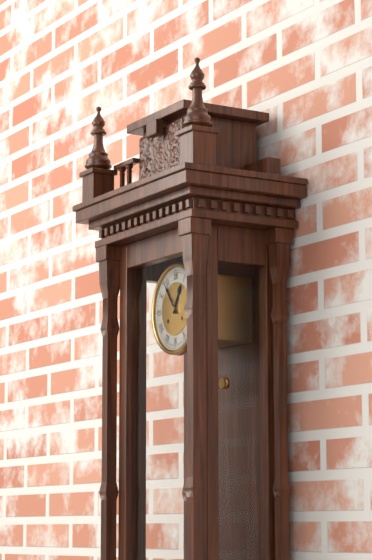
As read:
12:54
